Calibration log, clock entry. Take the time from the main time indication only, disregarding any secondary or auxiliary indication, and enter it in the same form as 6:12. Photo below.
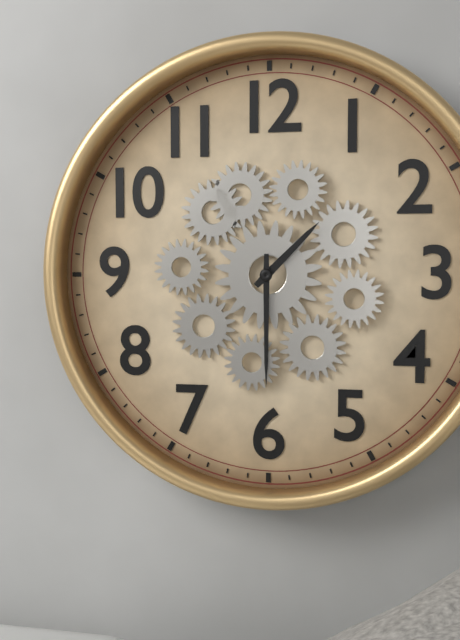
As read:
1:30
